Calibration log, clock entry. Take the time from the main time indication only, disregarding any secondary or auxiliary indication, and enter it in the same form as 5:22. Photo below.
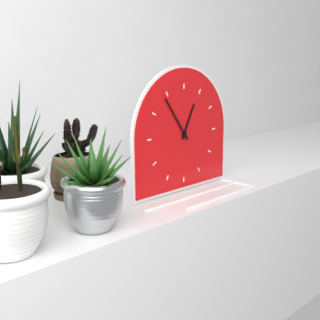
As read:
12:54
